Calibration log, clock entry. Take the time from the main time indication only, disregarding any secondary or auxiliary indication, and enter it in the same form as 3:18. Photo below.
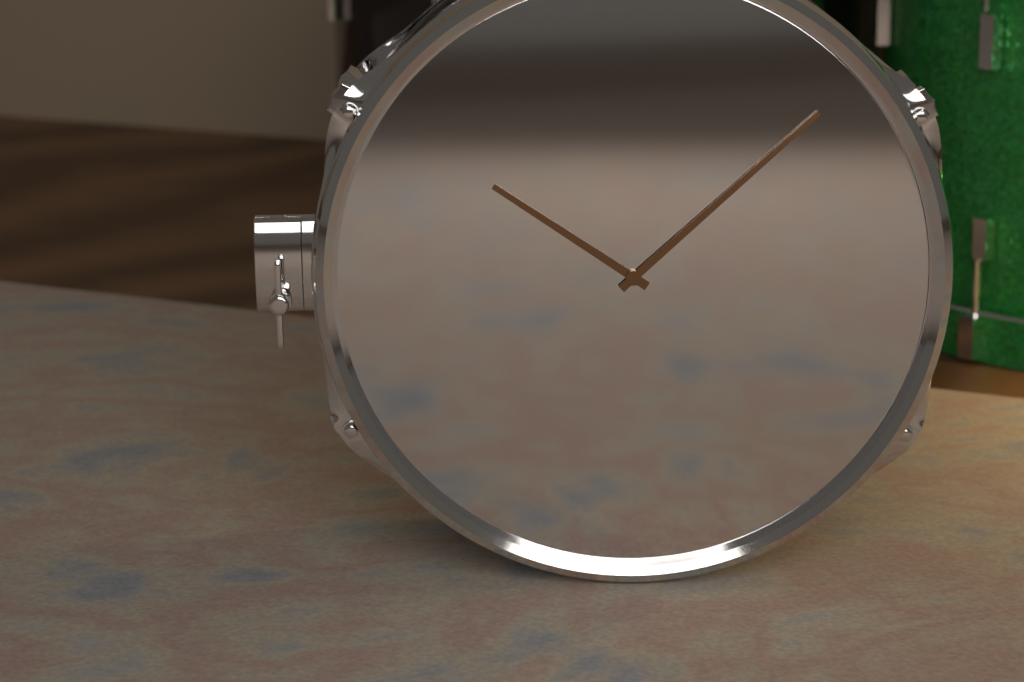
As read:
10:08
